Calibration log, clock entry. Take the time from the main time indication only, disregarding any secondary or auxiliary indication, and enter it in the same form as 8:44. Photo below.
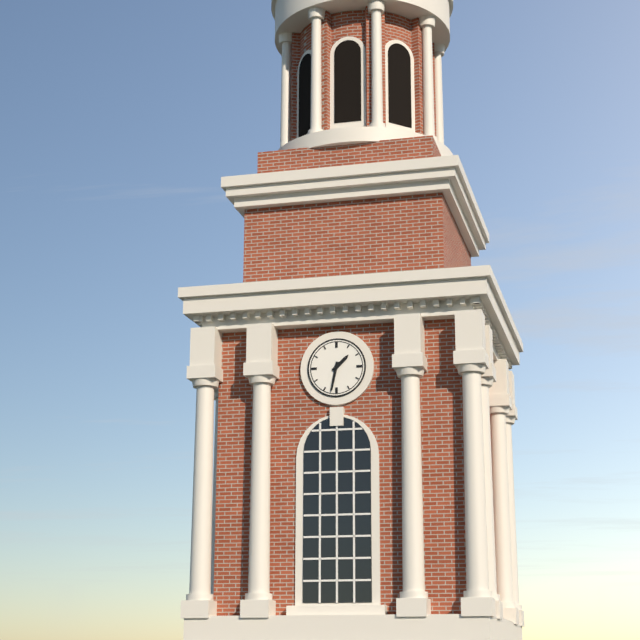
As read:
1:32
